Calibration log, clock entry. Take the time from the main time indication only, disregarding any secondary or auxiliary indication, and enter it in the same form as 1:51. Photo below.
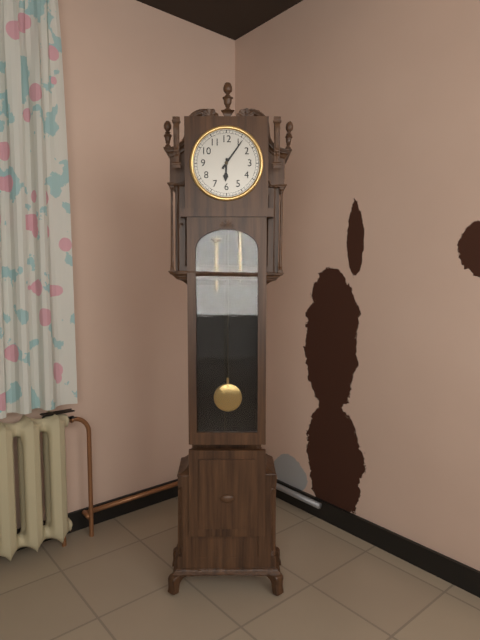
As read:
6:06
